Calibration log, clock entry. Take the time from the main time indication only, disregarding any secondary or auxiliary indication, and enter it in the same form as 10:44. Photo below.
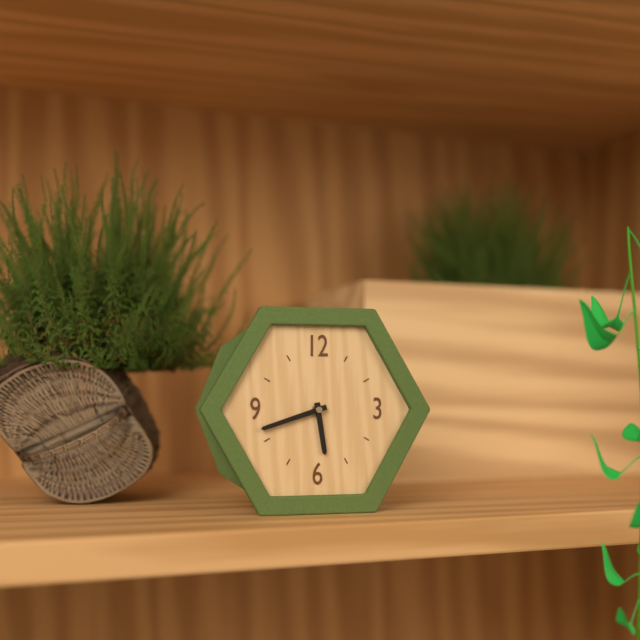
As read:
5:42
